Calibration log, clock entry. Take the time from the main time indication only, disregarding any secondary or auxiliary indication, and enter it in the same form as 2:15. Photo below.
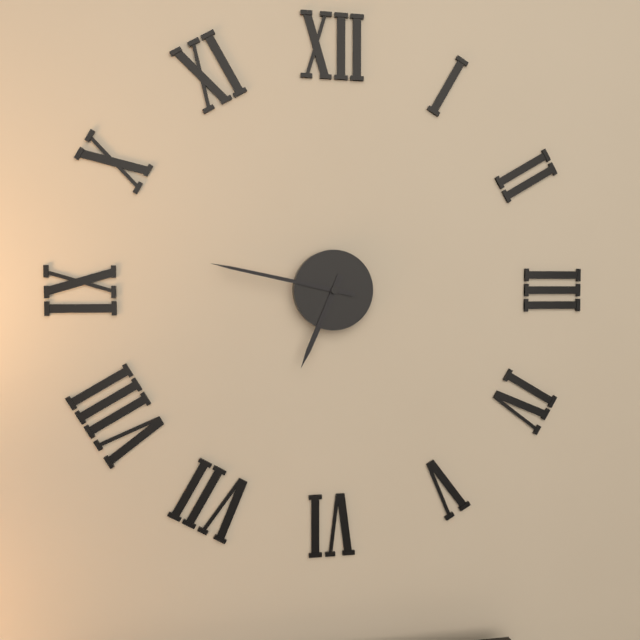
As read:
6:47
